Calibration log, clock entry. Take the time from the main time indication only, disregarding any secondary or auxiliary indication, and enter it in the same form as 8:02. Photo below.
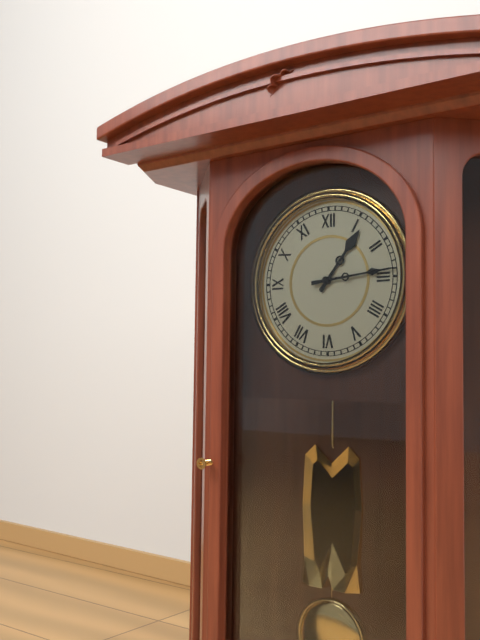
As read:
1:14
